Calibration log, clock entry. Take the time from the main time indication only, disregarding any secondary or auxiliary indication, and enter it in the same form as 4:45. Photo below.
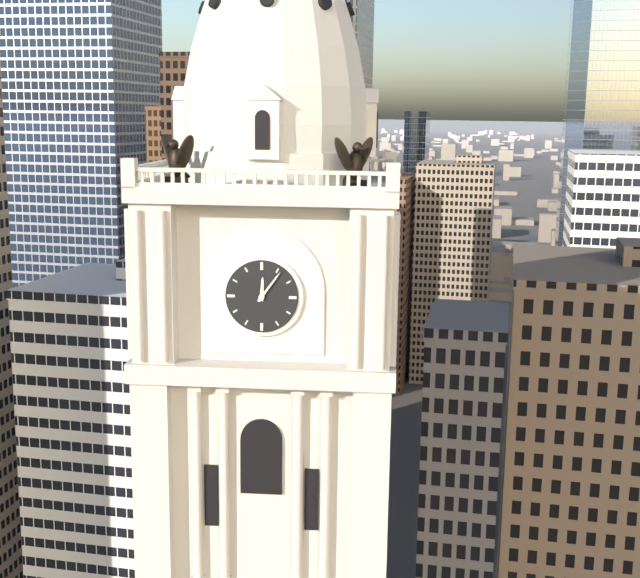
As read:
12:06
